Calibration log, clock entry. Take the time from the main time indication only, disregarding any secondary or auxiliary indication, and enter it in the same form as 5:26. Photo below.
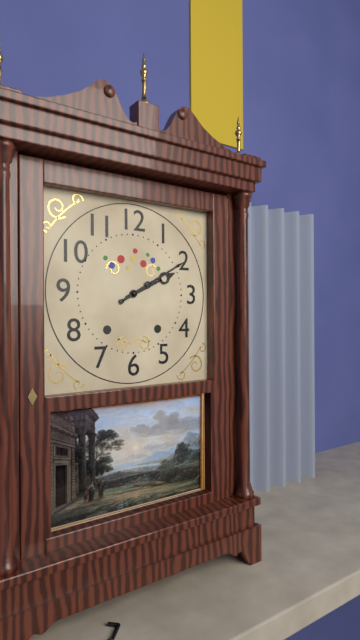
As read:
2:10
